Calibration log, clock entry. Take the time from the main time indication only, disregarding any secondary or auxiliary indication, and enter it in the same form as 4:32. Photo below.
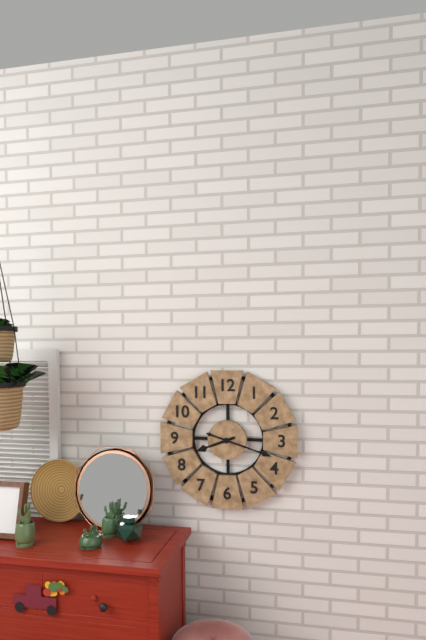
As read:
8:18
